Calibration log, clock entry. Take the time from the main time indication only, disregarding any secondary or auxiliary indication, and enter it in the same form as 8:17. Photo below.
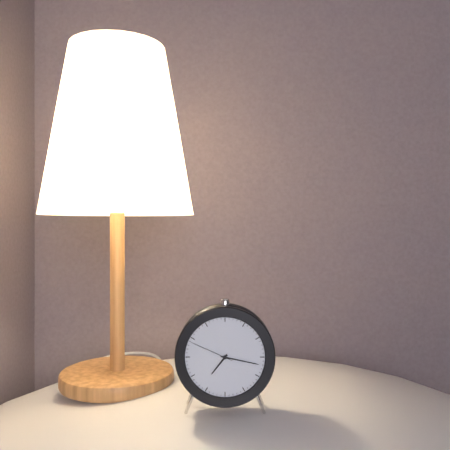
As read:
7:17
